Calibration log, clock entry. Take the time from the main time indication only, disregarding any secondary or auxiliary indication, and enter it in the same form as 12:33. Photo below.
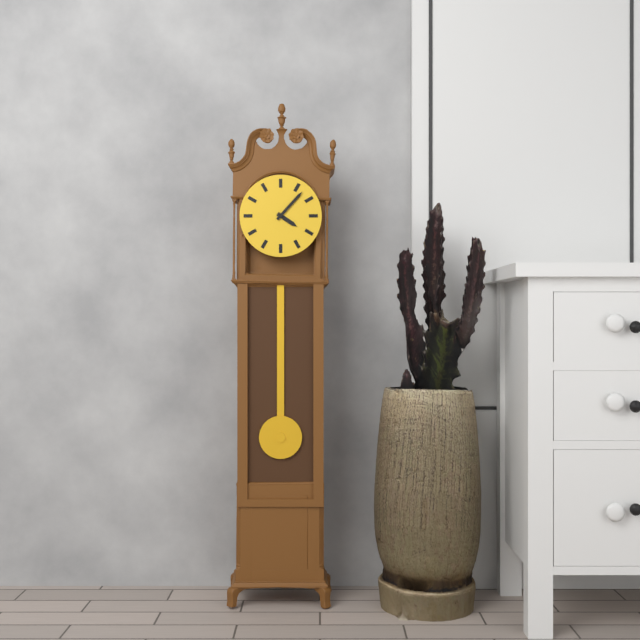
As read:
4:07
